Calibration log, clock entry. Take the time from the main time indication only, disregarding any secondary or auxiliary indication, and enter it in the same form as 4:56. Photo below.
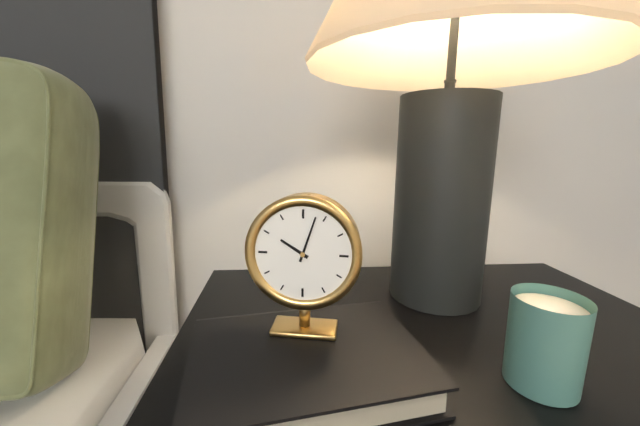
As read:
10:03
